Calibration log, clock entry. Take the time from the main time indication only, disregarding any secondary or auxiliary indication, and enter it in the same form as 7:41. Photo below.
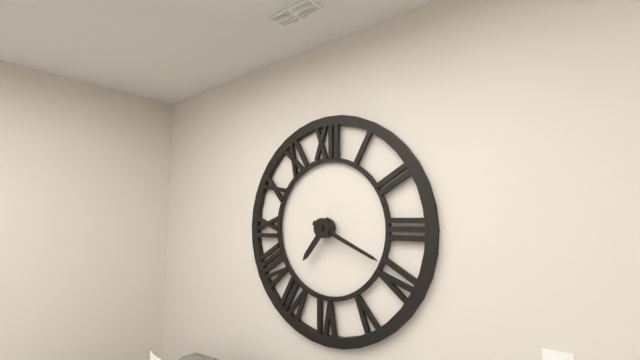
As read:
7:19
